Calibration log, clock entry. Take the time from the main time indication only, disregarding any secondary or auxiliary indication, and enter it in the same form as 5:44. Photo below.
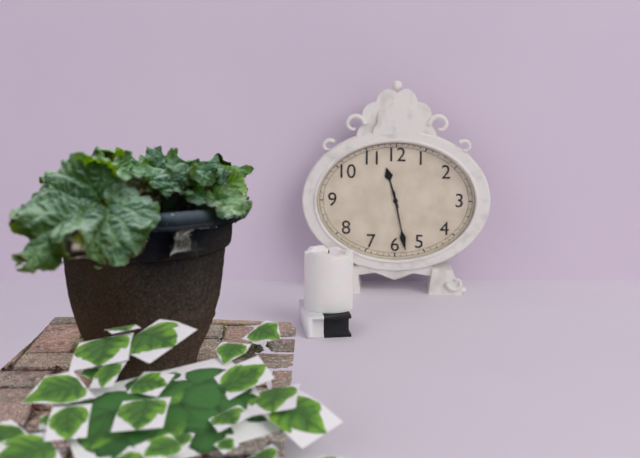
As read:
11:28
